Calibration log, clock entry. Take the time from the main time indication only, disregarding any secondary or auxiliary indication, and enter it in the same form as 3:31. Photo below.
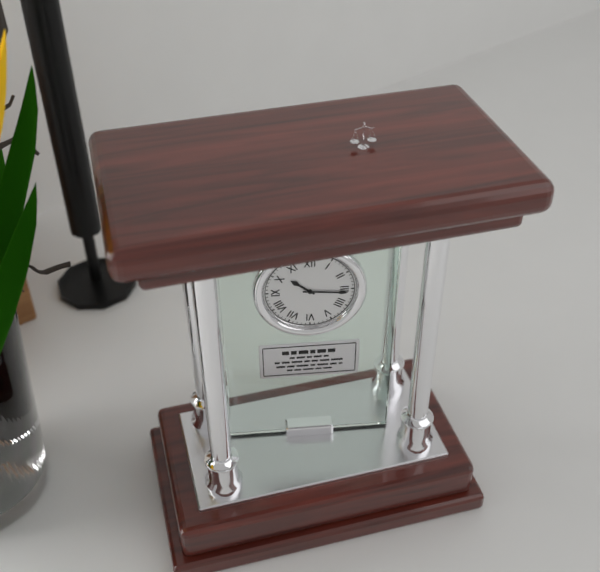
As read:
10:16
